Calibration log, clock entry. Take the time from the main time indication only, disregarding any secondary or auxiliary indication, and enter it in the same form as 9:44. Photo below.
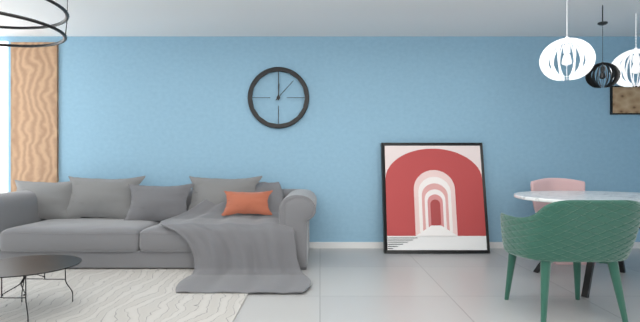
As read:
12:07
